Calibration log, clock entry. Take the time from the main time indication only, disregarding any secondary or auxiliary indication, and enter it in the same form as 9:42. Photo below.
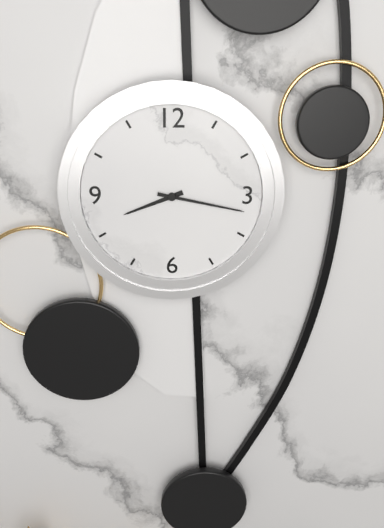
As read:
8:17
